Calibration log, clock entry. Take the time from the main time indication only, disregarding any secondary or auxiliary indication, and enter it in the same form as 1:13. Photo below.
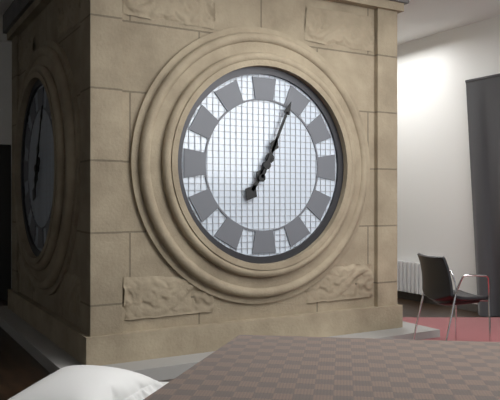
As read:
7:04
